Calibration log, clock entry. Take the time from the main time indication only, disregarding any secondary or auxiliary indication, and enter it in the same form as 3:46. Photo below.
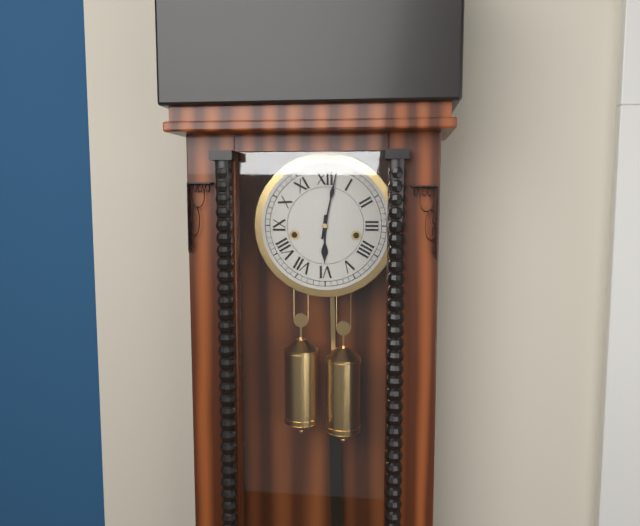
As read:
6:02
